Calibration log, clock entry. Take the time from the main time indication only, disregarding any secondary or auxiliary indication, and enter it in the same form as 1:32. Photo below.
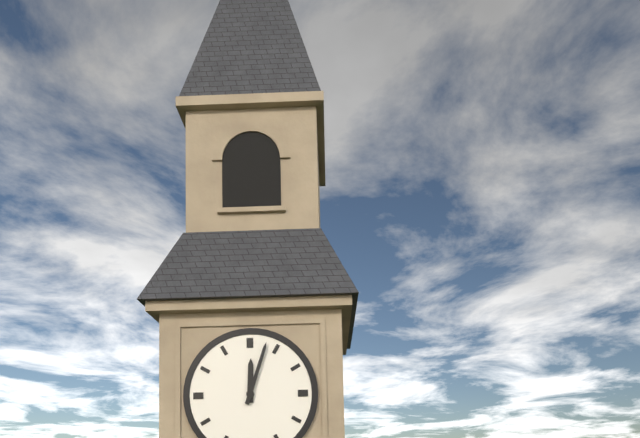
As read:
12:03
